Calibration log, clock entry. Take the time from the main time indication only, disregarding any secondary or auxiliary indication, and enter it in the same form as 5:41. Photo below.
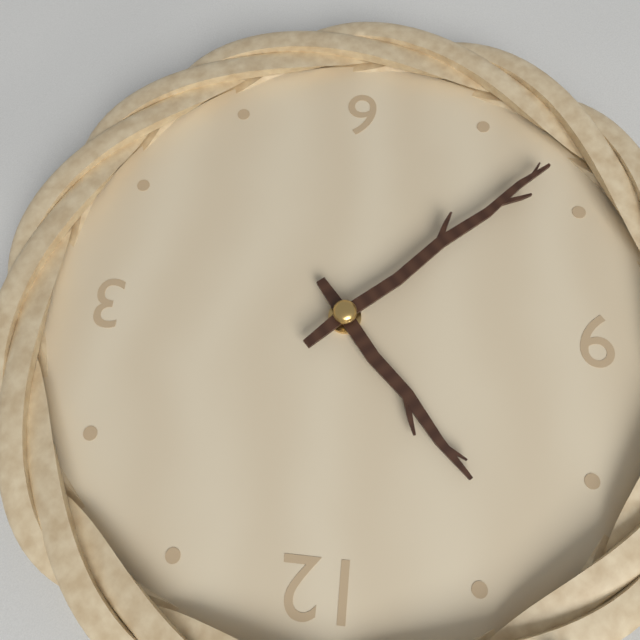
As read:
10:38
